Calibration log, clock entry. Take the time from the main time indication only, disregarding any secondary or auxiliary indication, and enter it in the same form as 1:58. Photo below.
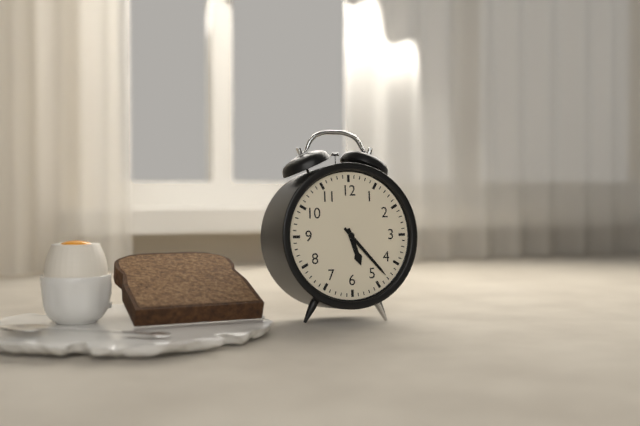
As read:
5:23
